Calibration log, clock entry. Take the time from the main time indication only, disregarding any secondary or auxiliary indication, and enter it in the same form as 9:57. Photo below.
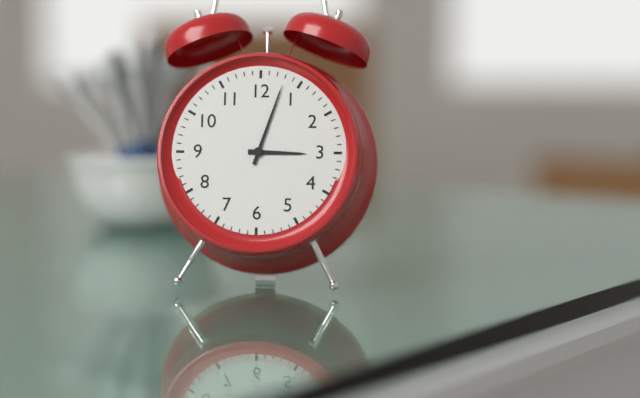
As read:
3:03
